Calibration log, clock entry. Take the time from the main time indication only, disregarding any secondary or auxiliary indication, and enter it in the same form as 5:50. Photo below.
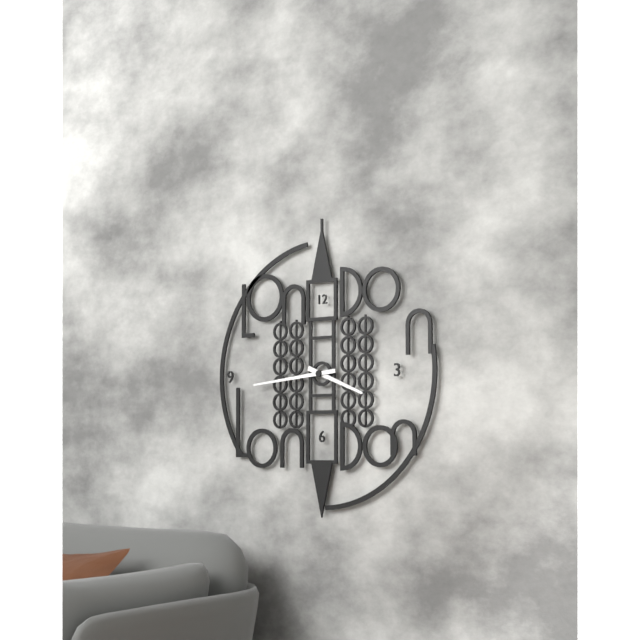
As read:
3:44
